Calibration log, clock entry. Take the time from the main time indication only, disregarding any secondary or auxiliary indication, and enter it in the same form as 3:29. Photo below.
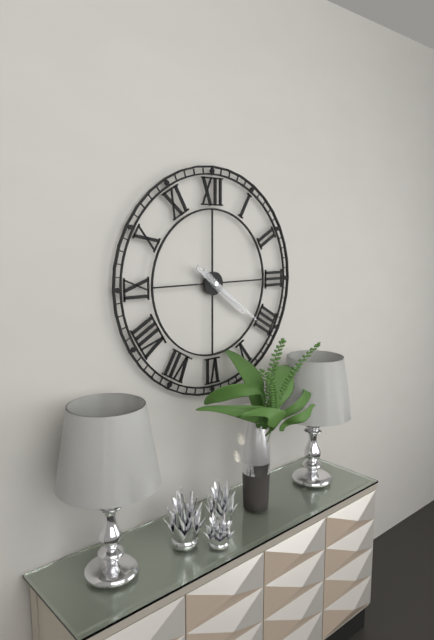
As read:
4:21
